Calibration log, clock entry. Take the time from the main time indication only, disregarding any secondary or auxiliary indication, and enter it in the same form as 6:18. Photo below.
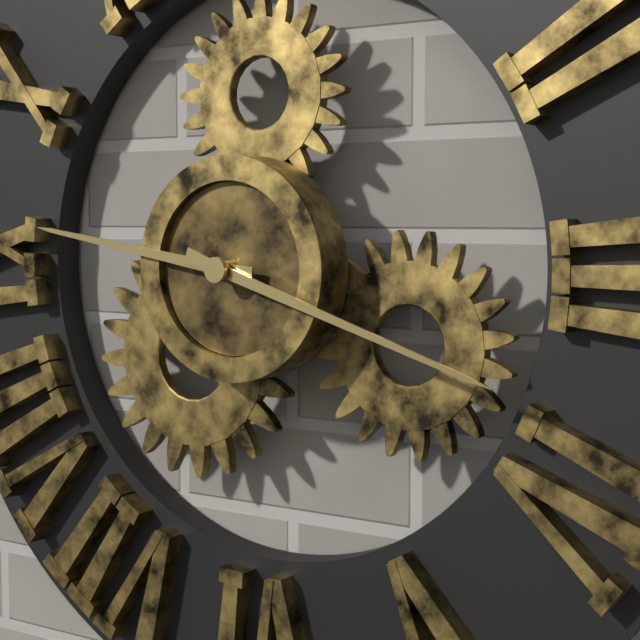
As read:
9:18
